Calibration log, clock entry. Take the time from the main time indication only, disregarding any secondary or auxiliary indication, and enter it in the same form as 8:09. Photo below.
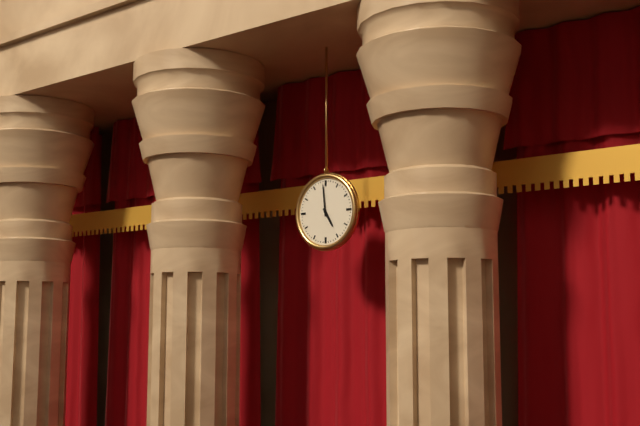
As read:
4:59
